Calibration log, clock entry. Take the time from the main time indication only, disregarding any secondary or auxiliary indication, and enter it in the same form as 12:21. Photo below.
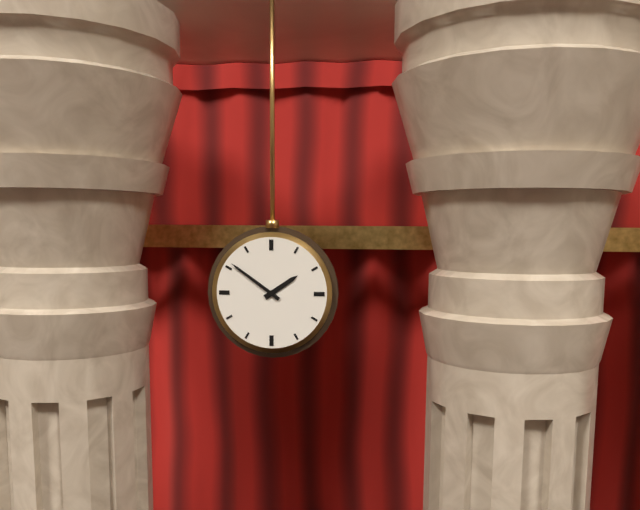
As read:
1:51
